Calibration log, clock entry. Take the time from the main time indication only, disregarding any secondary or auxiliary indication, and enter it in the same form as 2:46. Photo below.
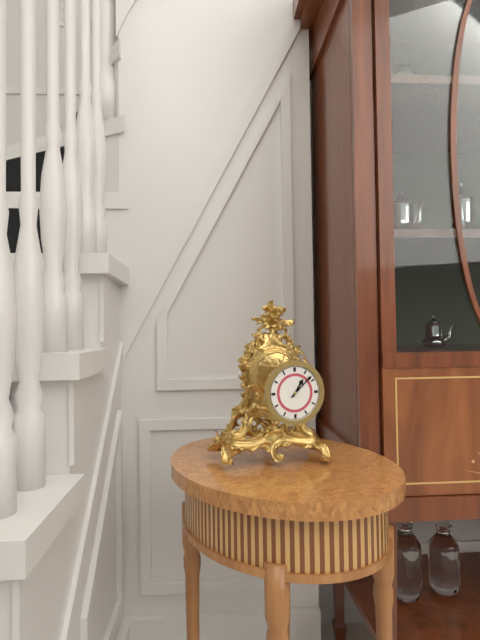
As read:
1:08
